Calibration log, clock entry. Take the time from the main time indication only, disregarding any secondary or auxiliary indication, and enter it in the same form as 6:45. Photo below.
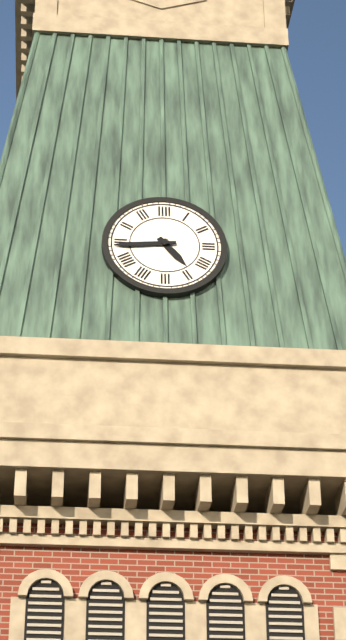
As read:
4:44
